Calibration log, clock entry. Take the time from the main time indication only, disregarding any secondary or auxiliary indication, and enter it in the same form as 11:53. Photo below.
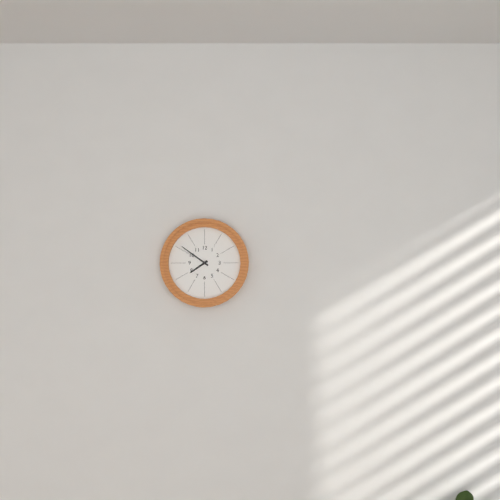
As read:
7:51
